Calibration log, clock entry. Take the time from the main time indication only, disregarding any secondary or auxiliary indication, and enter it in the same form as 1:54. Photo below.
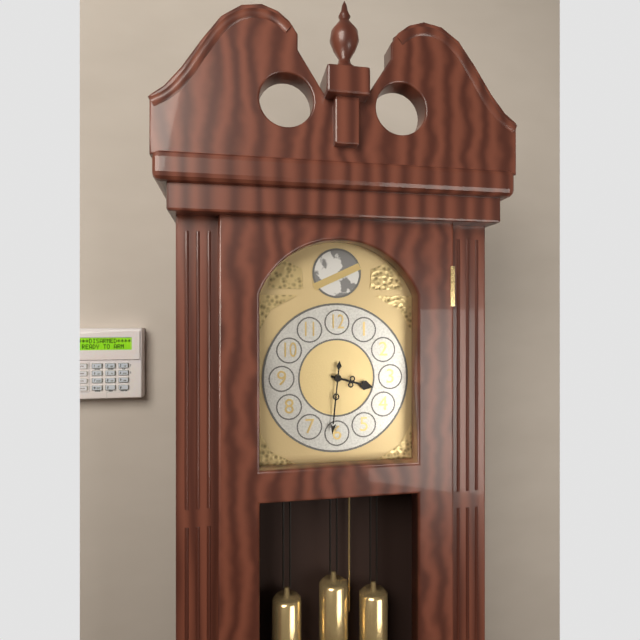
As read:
3:31
